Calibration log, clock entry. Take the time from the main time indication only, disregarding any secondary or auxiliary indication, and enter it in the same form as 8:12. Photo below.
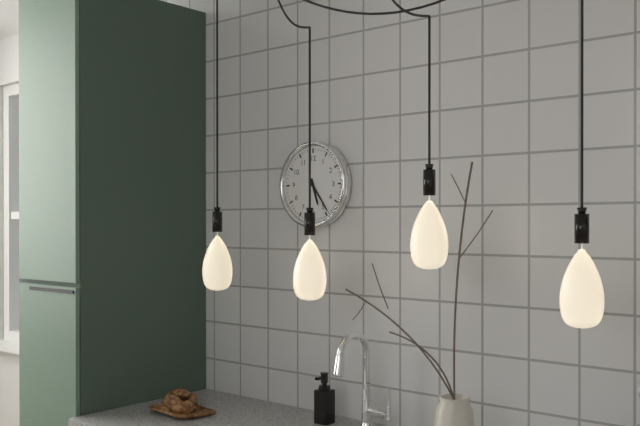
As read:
5:24
